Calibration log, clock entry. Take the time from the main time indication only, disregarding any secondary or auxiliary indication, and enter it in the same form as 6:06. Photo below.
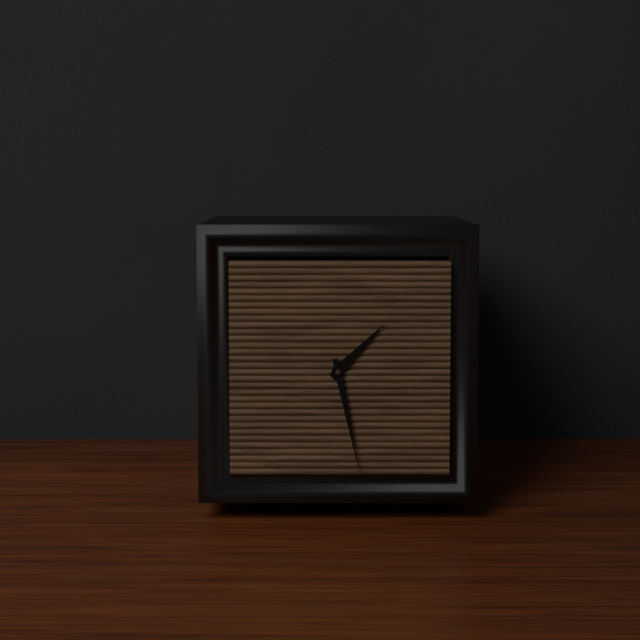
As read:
1:28
